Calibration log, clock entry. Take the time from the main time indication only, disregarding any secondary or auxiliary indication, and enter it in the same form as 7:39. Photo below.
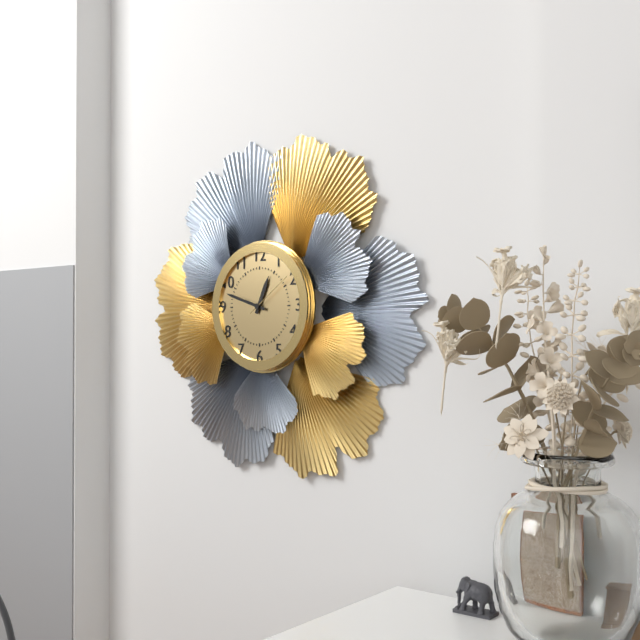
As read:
12:48
